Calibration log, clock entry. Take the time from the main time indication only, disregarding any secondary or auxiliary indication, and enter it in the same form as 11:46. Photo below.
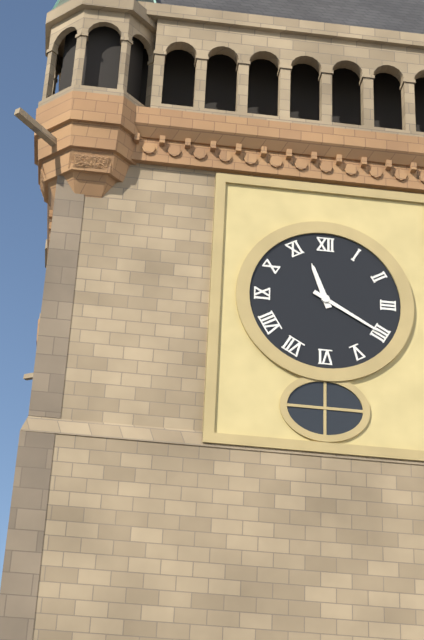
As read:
11:20
